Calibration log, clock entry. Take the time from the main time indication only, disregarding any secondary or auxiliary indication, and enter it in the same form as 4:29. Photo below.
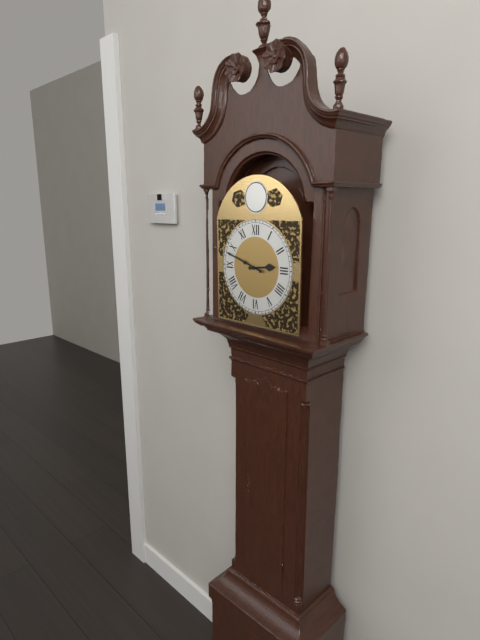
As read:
2:48
